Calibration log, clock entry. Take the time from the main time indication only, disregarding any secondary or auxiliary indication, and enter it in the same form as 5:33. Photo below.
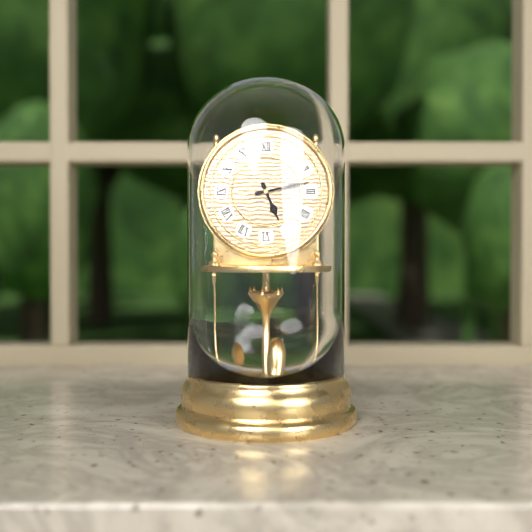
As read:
5:13
